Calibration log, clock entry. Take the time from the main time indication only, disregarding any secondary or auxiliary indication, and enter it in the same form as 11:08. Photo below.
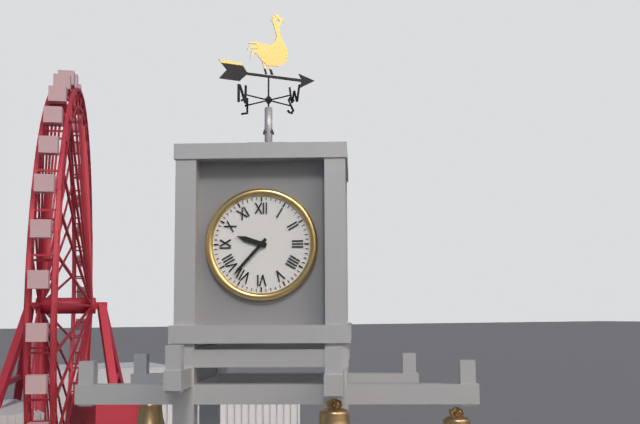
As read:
9:37
